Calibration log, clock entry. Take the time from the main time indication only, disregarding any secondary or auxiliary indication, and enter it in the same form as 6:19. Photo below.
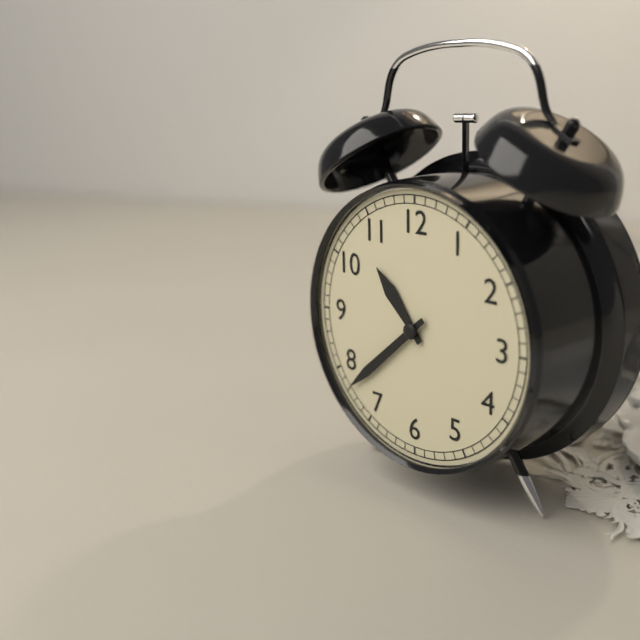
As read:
10:38
